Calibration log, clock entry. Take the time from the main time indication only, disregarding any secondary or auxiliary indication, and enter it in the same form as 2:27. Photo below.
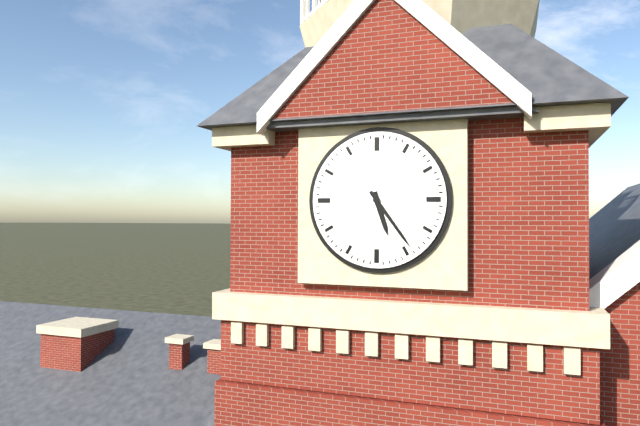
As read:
5:24
